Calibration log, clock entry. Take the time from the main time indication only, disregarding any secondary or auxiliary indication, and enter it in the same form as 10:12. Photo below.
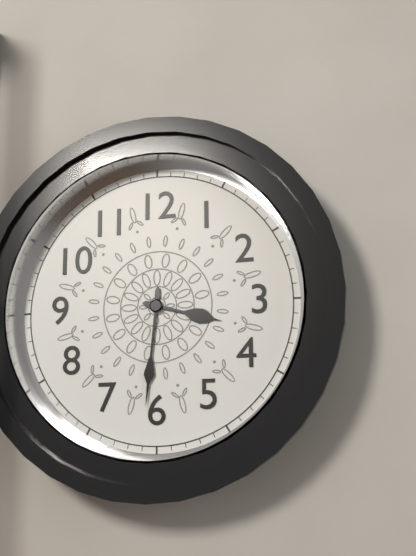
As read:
3:31
